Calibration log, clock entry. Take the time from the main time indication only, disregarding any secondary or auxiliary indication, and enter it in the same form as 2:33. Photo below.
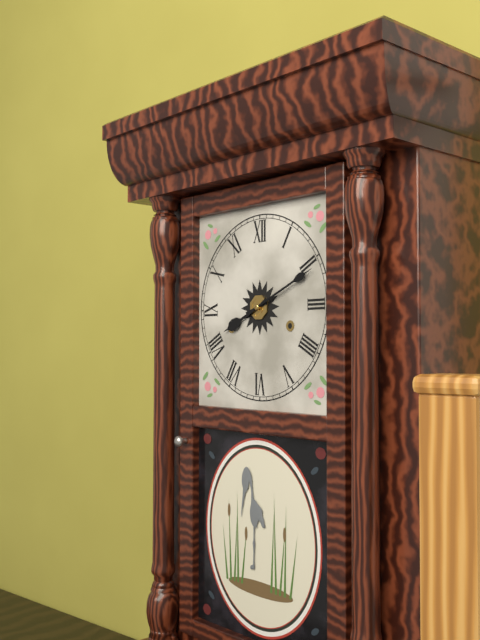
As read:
8:11
